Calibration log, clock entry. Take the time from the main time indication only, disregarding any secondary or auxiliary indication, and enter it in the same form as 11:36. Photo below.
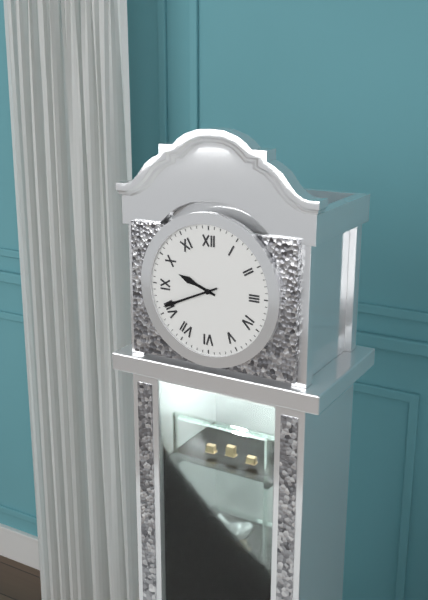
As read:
9:41
